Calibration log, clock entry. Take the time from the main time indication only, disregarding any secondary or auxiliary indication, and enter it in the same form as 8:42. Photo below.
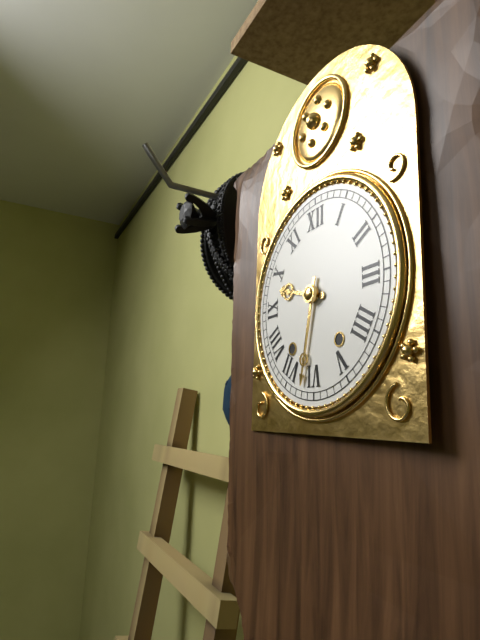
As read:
9:32
